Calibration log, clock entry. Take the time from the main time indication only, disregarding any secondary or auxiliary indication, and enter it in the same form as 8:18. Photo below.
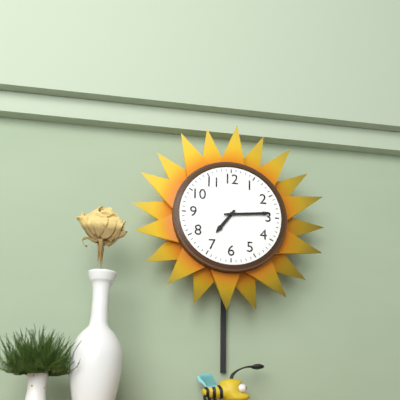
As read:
7:14
